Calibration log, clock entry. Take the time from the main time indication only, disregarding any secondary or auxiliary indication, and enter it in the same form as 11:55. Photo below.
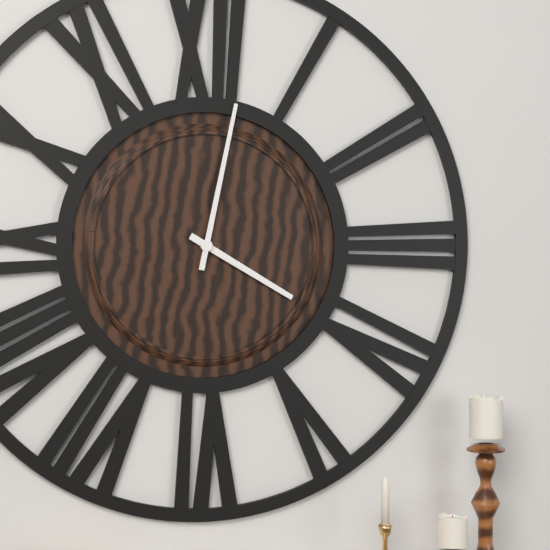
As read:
4:02
